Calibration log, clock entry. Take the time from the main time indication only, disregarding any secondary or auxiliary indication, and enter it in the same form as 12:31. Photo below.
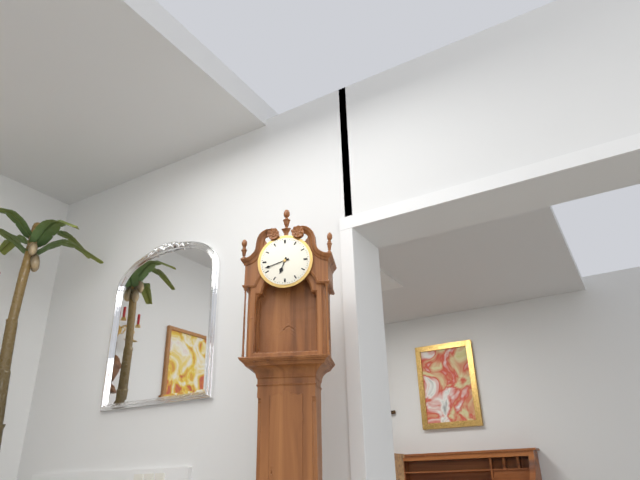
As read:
6:42
